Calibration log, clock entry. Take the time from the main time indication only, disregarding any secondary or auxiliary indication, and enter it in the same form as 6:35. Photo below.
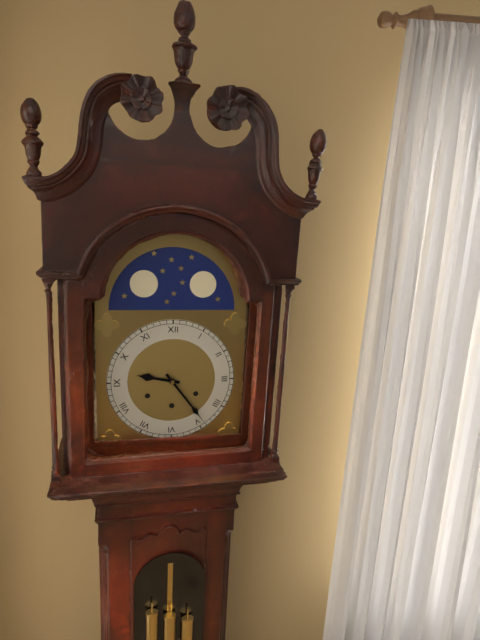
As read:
9:24
